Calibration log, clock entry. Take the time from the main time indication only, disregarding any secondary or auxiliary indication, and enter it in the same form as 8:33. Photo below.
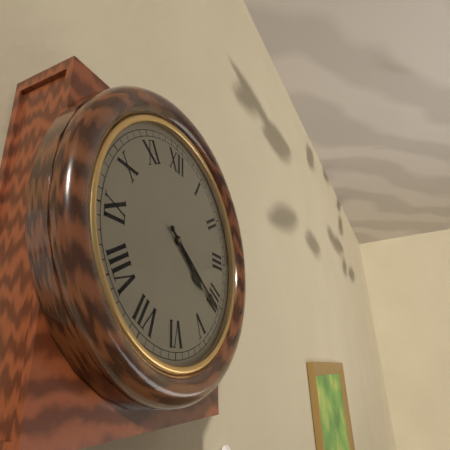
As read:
4:21
